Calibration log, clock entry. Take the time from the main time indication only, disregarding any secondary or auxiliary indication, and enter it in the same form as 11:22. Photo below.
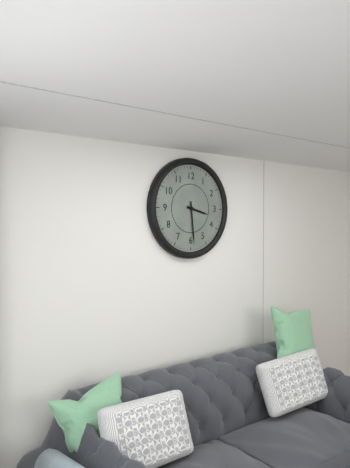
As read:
3:29
